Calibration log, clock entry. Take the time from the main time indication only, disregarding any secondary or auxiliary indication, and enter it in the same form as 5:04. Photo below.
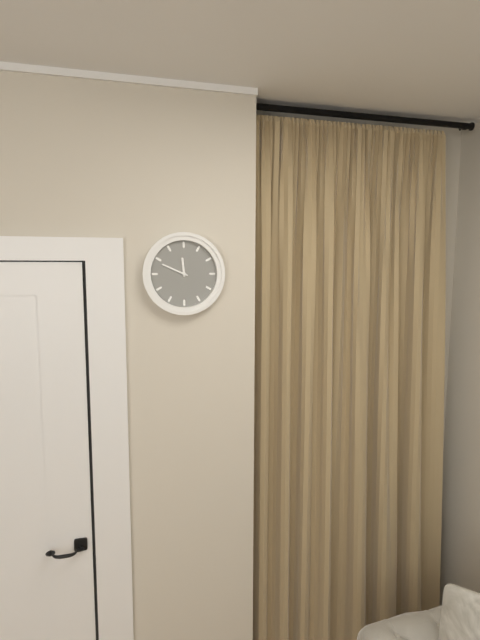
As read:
11:49
